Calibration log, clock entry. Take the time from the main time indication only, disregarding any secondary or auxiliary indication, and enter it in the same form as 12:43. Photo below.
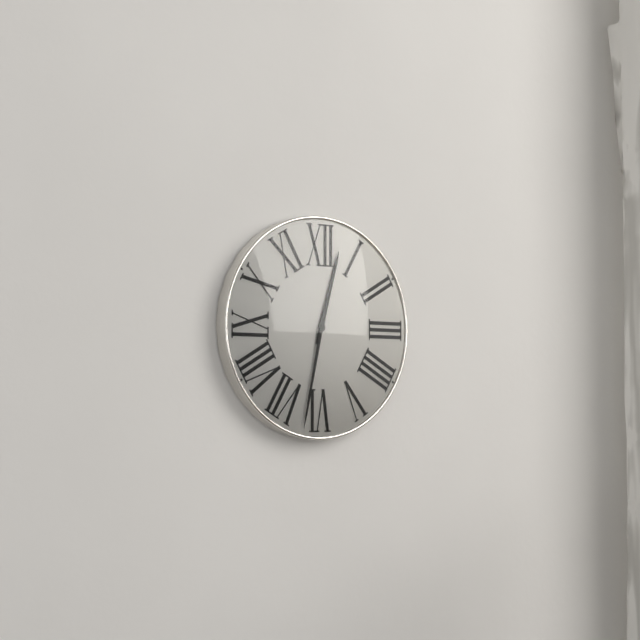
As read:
12:32
